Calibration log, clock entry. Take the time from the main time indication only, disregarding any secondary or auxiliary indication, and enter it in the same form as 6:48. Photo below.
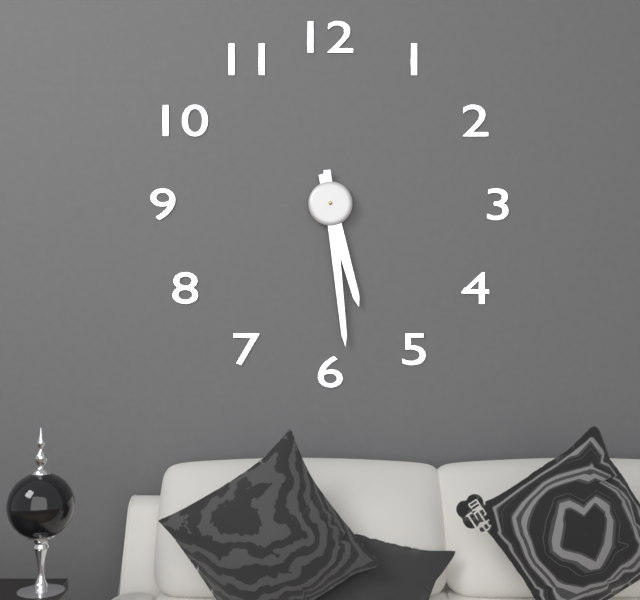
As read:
5:29
